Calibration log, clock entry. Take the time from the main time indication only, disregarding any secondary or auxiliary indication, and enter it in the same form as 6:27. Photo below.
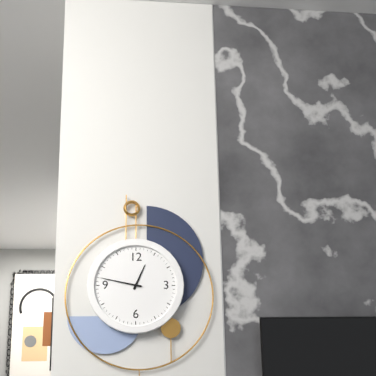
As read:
12:47
